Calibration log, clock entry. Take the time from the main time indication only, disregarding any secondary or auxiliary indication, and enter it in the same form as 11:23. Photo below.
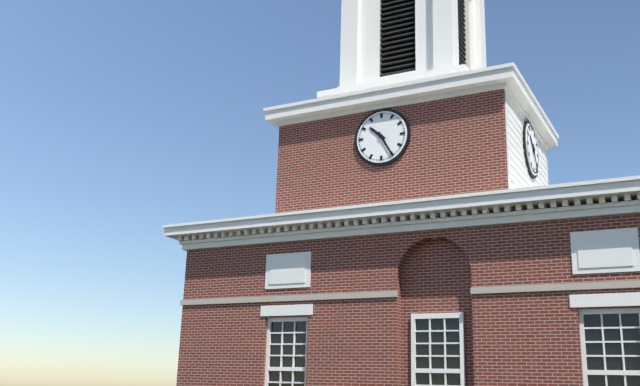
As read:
10:25
